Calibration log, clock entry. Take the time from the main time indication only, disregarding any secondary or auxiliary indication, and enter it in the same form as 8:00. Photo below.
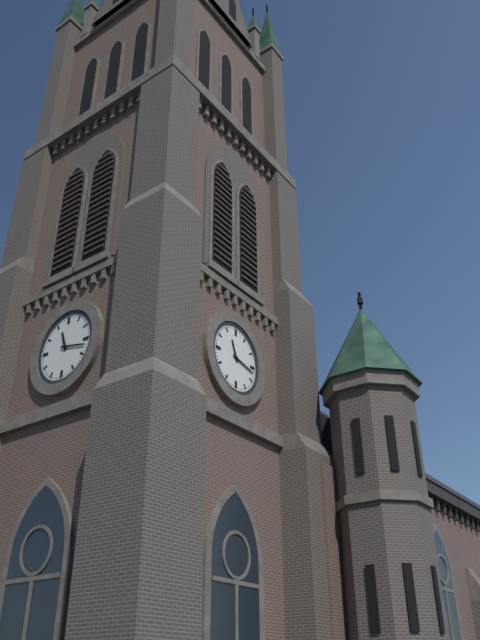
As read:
11:17
